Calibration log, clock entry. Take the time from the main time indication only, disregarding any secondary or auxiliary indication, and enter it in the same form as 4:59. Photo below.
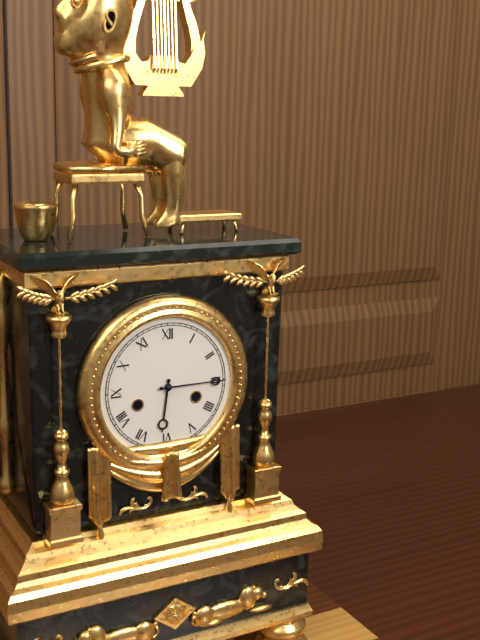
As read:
6:15
